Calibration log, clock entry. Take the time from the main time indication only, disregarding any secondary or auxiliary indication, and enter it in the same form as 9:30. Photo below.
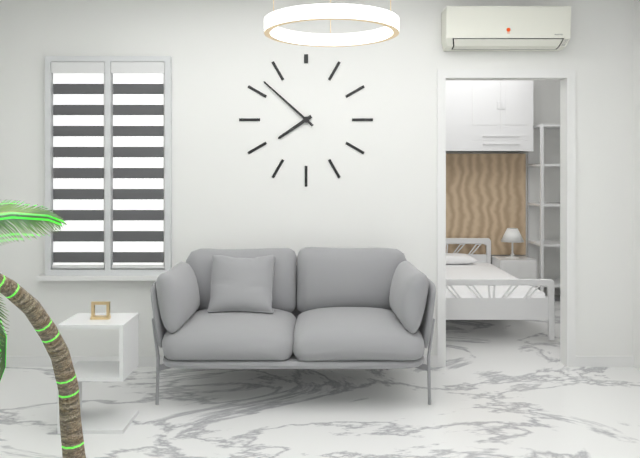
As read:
7:52
